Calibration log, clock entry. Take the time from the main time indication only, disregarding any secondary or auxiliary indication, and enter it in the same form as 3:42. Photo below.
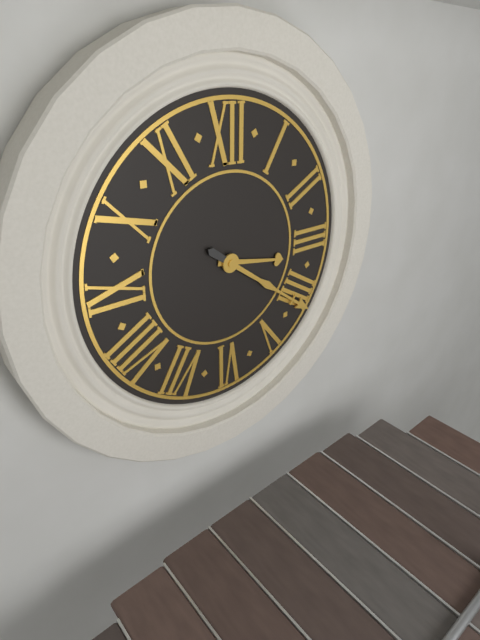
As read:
3:21
